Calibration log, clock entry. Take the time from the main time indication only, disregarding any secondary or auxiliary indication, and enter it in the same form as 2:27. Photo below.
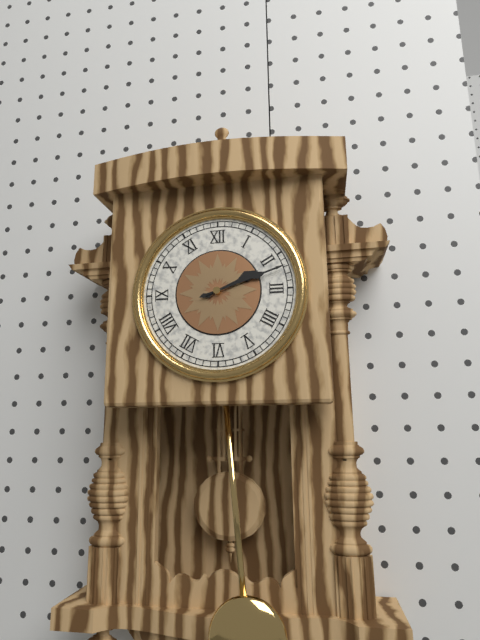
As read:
2:12
